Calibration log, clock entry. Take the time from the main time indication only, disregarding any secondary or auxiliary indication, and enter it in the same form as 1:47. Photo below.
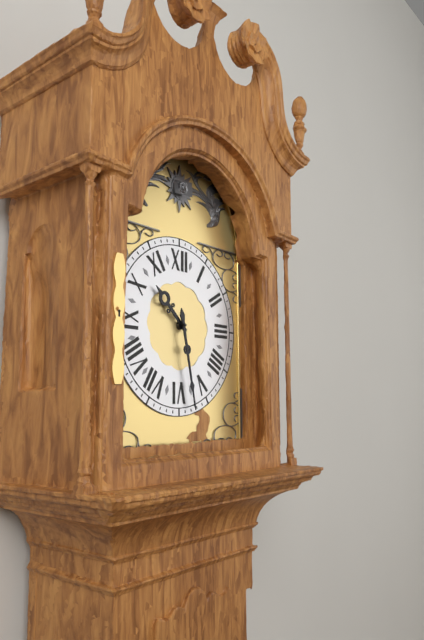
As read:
10:28
